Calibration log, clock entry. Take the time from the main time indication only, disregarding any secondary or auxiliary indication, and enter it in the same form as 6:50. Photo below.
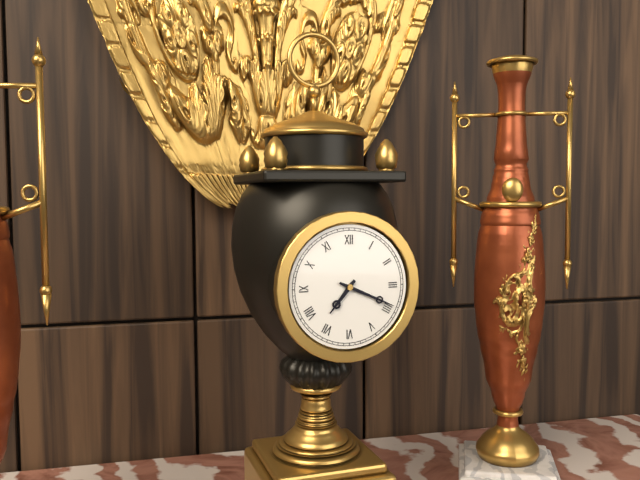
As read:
7:19
